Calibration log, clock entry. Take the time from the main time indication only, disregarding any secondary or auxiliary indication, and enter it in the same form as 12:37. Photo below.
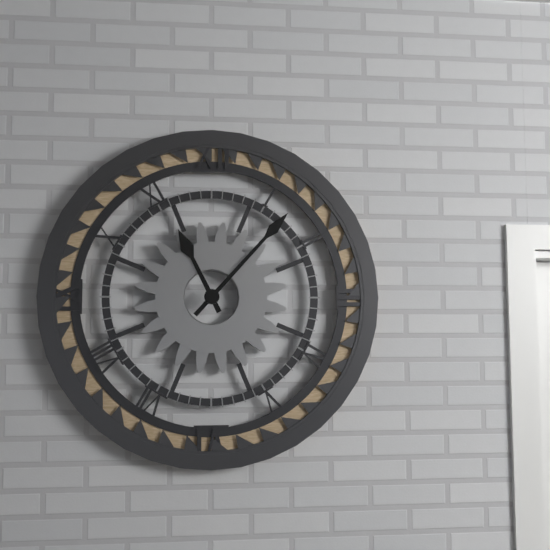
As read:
11:07
